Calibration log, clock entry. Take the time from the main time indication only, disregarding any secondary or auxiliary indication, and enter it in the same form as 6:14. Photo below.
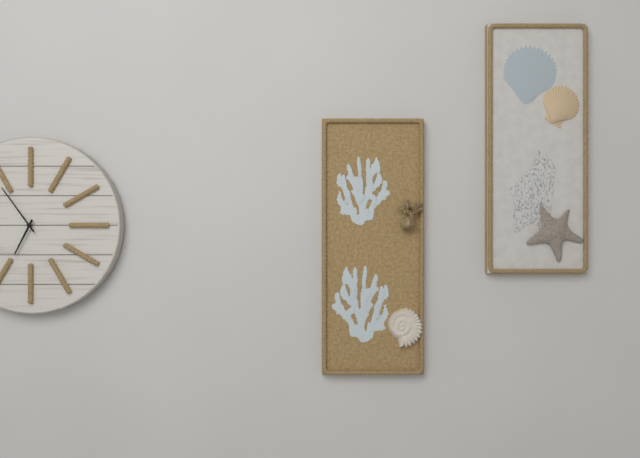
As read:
6:54
